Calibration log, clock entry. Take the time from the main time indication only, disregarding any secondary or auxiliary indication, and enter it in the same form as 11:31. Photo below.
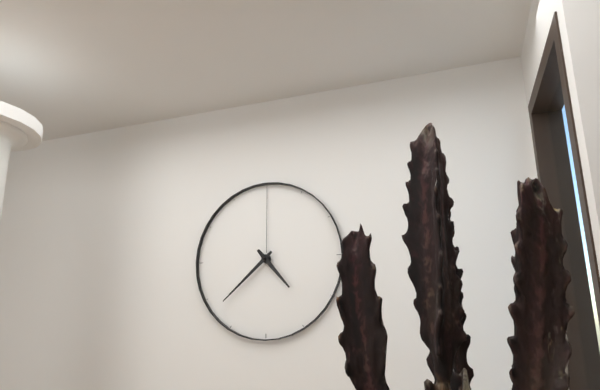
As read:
4:38
